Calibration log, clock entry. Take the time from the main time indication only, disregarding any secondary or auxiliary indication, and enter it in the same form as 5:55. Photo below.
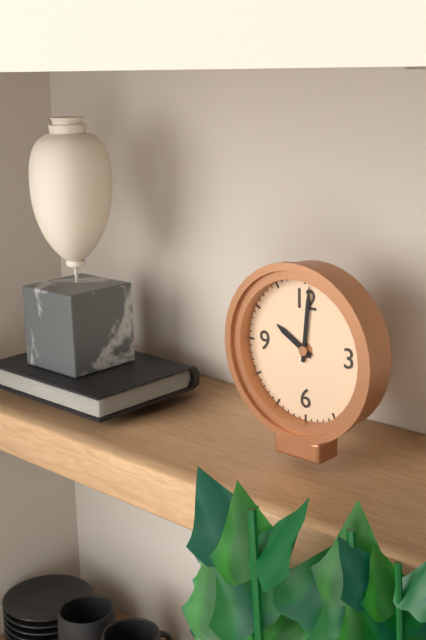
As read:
10:01
